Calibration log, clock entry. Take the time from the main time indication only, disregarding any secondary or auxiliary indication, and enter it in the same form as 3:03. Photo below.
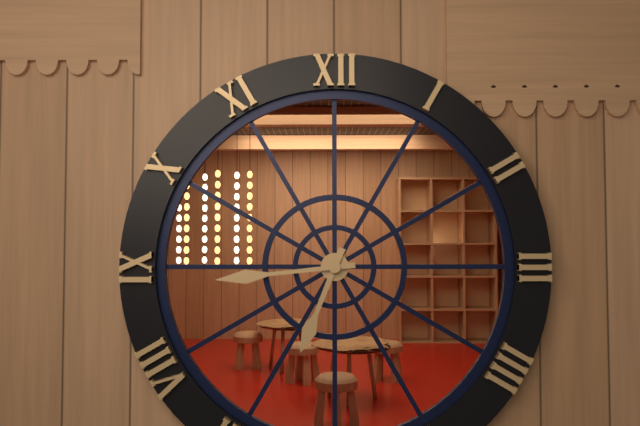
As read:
6:44
